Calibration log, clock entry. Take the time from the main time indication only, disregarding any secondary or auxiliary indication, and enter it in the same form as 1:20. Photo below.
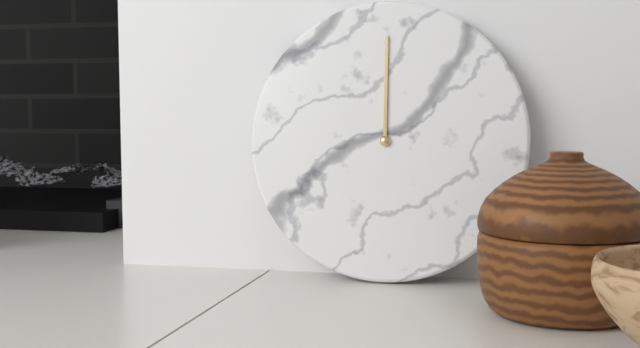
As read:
12:00
